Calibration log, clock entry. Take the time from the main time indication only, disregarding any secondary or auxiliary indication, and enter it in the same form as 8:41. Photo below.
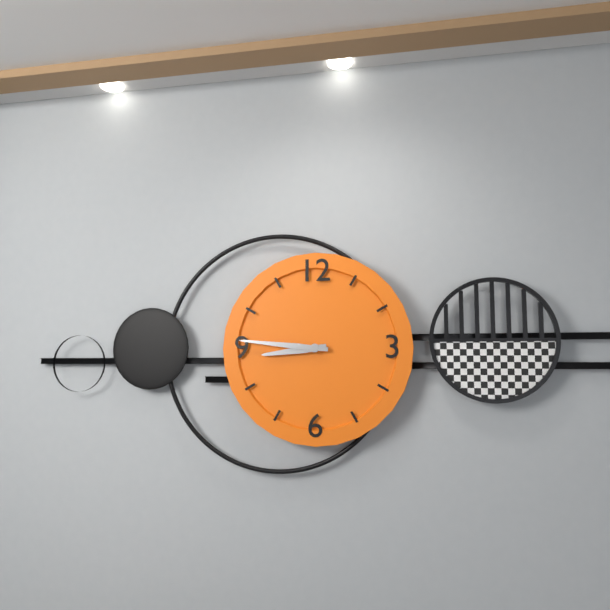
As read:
8:46
